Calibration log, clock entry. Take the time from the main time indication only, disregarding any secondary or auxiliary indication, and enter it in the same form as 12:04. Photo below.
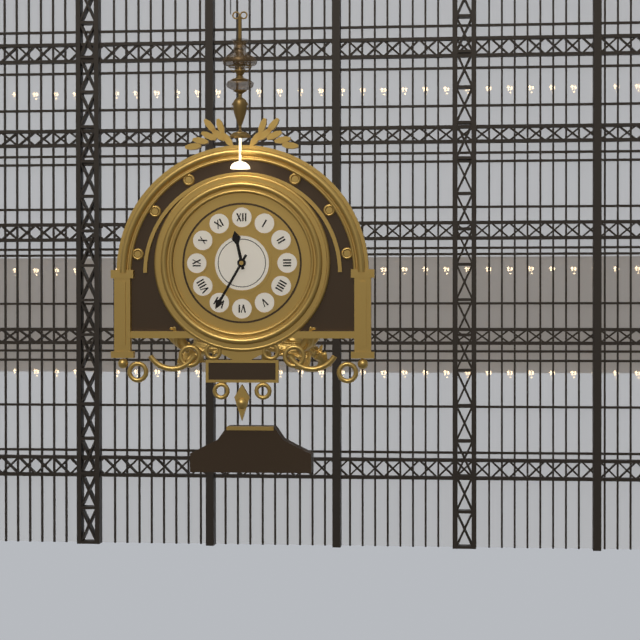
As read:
11:35
